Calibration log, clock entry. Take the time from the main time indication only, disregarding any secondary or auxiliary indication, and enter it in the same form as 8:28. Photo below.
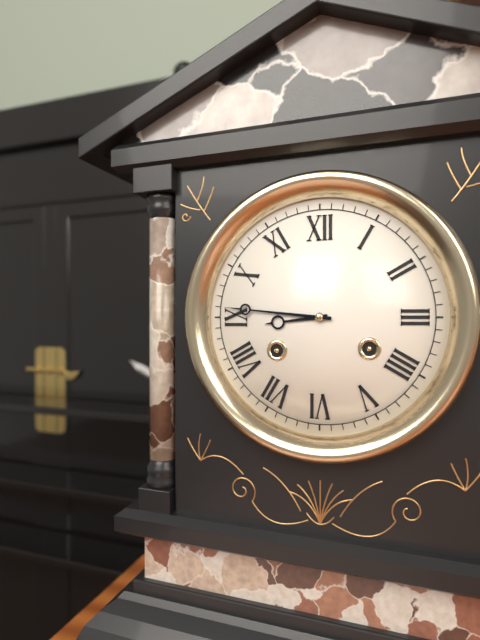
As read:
8:46
